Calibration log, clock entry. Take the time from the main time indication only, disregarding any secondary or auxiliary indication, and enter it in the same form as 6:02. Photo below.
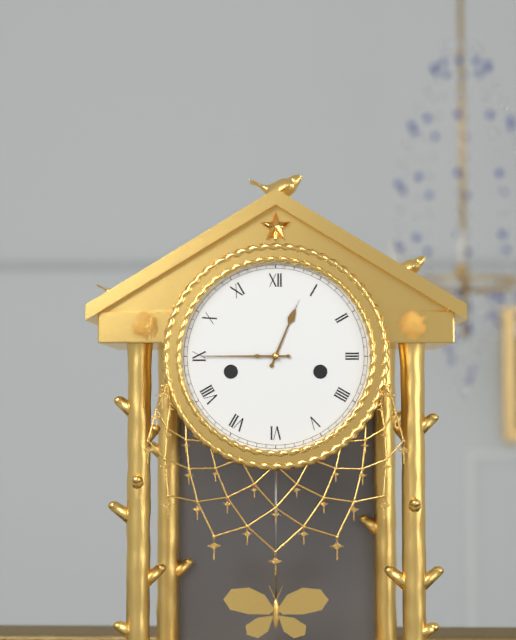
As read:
12:45
